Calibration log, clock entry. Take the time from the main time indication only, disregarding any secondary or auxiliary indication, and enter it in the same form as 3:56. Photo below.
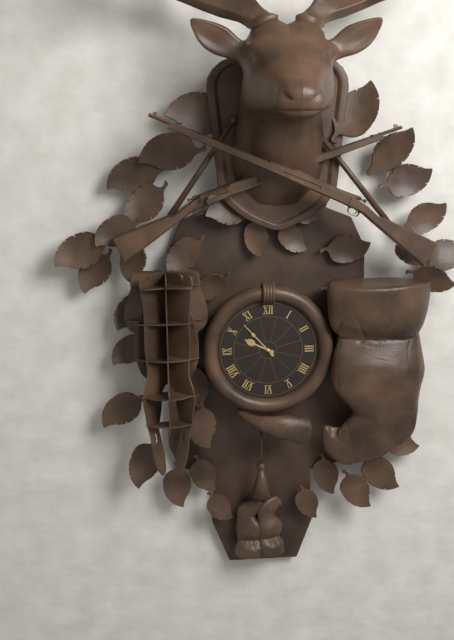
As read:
9:53
